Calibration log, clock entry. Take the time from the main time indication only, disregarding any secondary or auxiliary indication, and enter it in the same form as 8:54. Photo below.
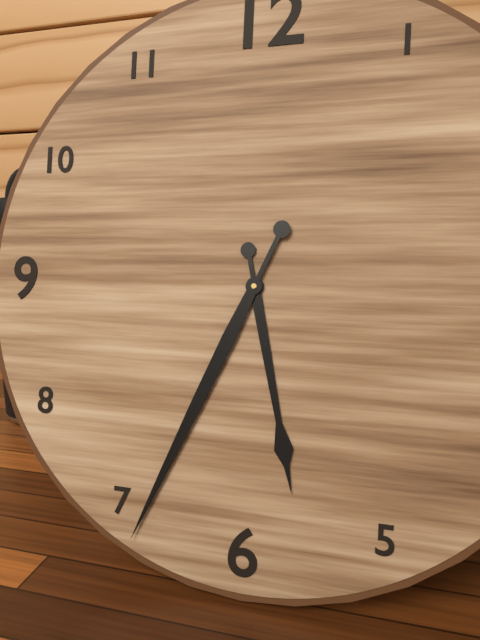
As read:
5:34
